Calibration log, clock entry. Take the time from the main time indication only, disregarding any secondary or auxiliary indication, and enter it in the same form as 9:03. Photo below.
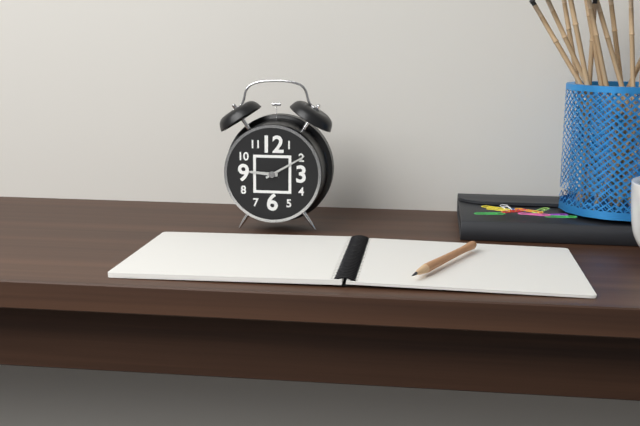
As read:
9:10
